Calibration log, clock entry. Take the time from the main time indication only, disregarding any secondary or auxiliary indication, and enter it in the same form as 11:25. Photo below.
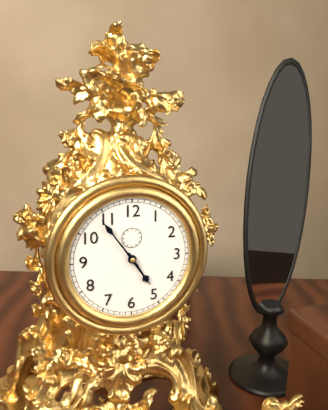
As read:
4:54
